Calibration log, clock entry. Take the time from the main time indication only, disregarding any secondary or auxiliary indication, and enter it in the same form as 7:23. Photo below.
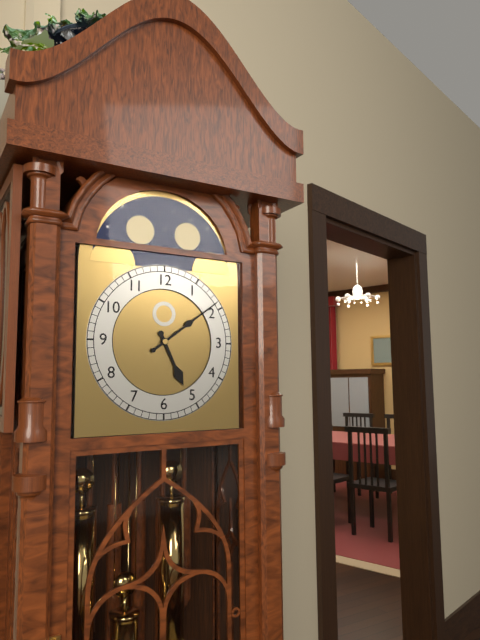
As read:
5:09
